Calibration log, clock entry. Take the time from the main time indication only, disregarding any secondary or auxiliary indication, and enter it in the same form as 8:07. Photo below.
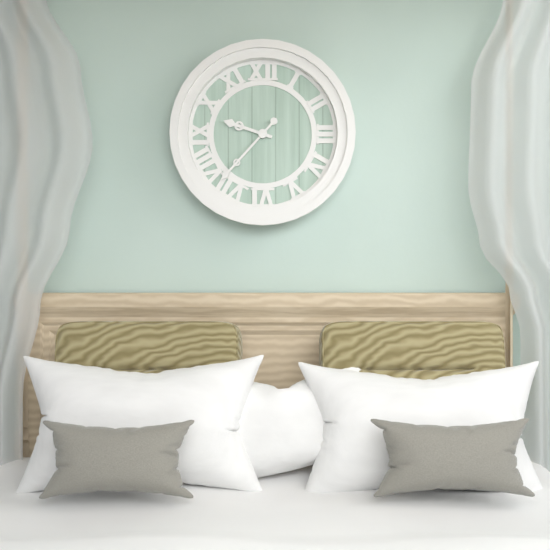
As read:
9:37
